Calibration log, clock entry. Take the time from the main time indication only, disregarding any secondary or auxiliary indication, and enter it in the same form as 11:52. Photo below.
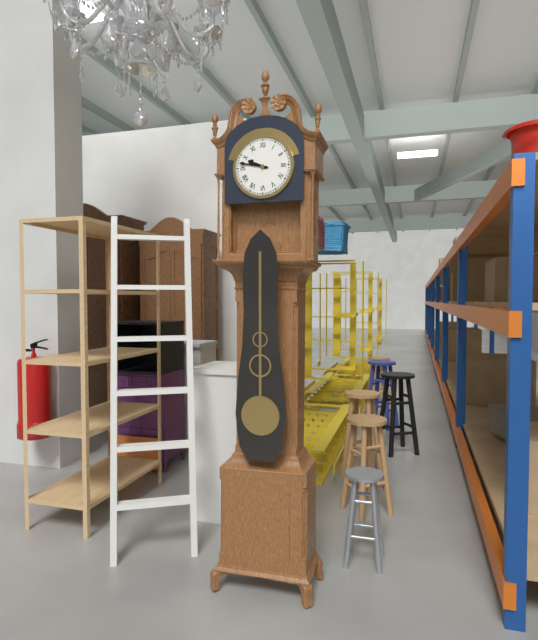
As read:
9:47
